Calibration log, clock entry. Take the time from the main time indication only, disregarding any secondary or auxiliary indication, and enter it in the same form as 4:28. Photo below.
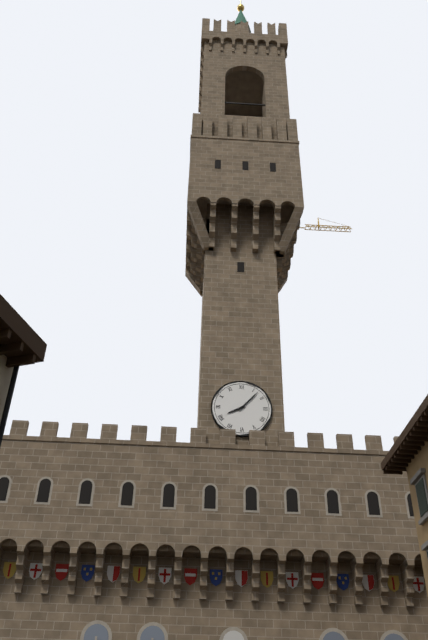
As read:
8:07
